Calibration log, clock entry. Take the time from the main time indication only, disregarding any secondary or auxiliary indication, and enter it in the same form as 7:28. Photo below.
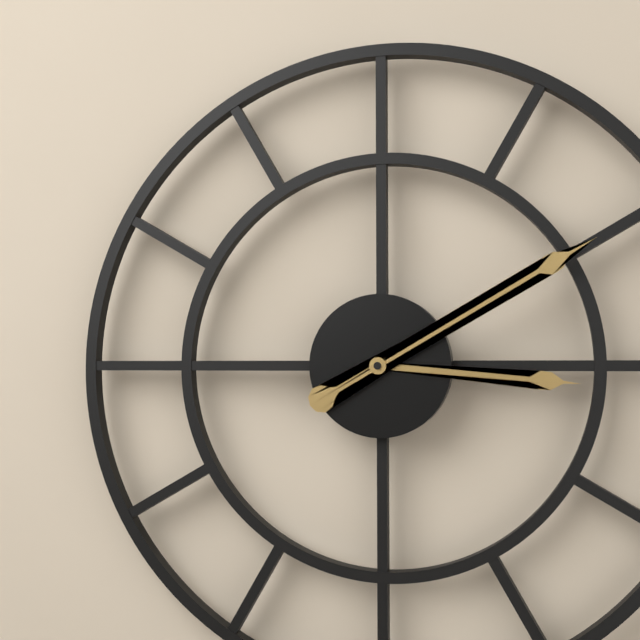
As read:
3:10
